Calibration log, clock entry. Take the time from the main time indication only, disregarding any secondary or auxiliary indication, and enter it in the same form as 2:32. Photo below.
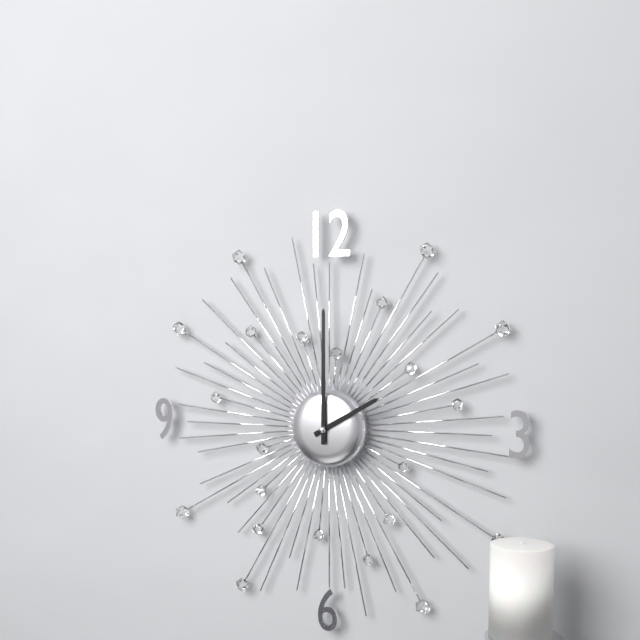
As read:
2:00
